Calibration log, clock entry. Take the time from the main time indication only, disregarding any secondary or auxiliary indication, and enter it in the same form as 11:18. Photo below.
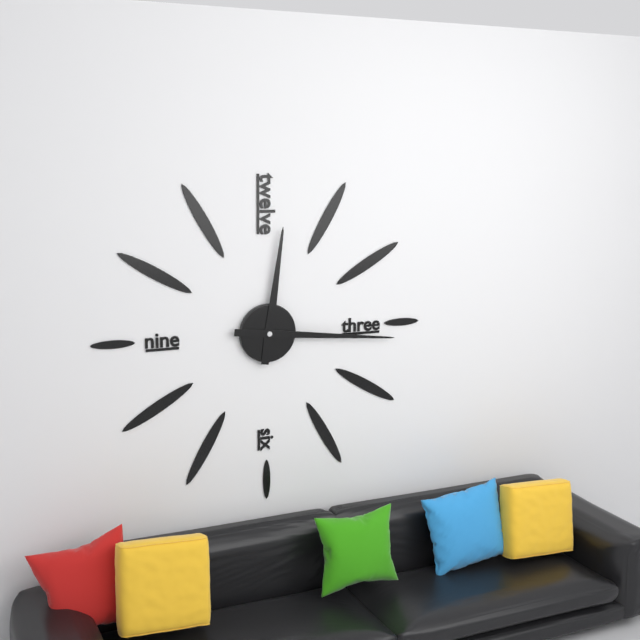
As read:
12:16
